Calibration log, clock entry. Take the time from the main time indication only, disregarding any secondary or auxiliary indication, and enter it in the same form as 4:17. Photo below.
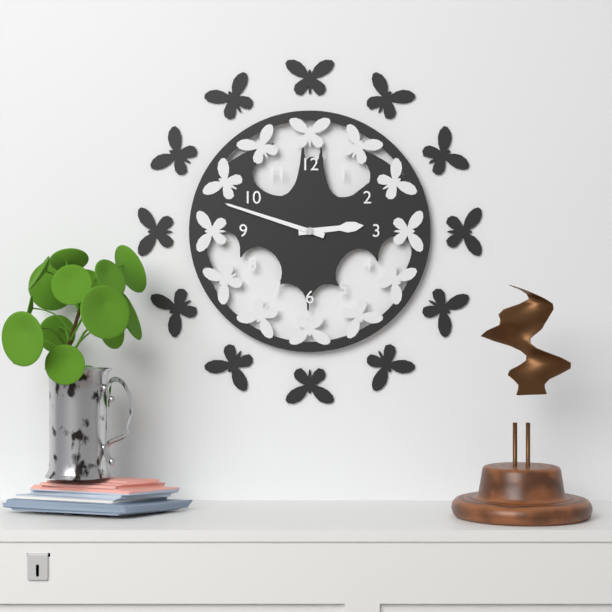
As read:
2:48
